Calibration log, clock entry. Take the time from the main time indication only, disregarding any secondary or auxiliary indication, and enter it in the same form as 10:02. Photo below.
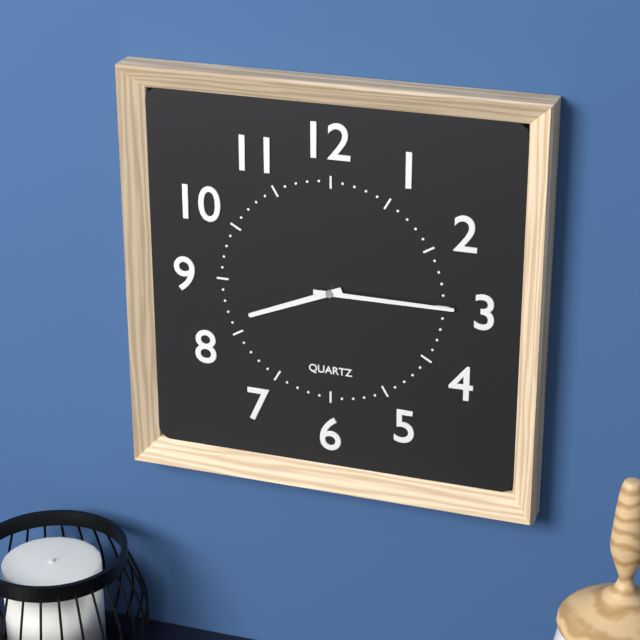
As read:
8:15
